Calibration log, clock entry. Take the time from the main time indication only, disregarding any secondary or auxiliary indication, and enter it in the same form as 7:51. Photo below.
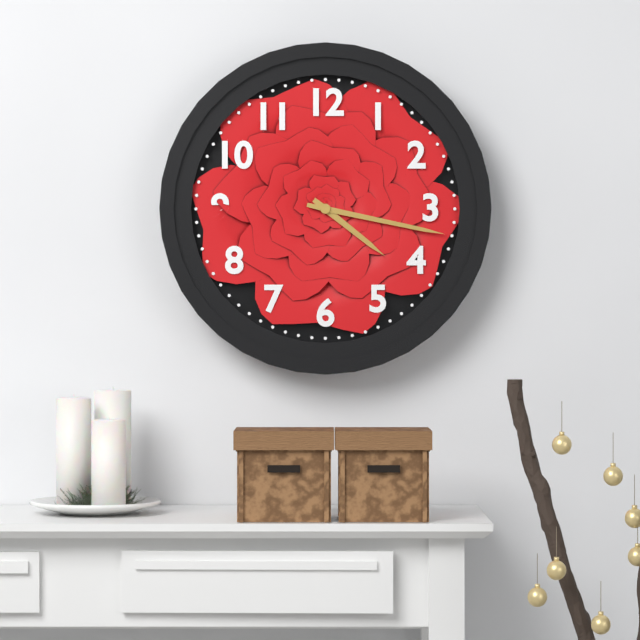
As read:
4:17
